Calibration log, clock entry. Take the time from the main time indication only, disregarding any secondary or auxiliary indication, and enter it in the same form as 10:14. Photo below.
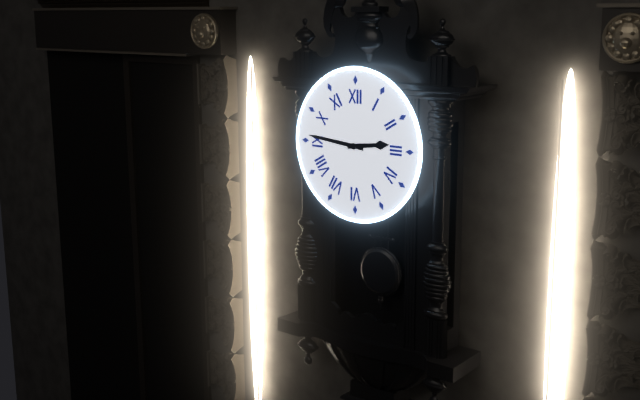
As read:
2:46
